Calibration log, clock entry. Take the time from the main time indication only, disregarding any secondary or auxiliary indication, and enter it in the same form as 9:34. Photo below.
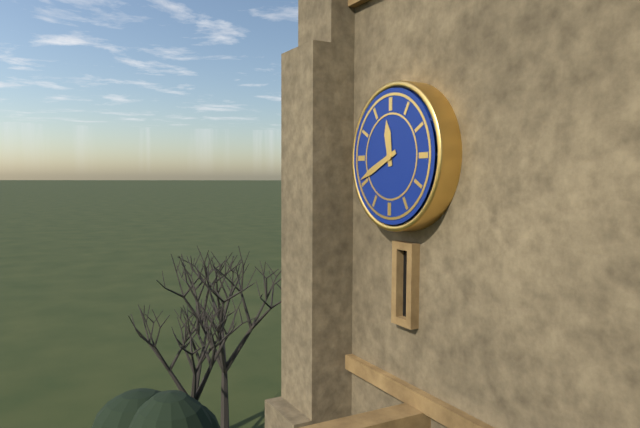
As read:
11:41
